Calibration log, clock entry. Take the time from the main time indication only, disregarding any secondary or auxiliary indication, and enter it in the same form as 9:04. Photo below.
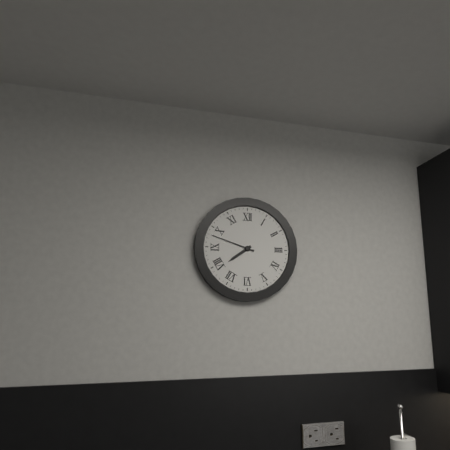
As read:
7:48
